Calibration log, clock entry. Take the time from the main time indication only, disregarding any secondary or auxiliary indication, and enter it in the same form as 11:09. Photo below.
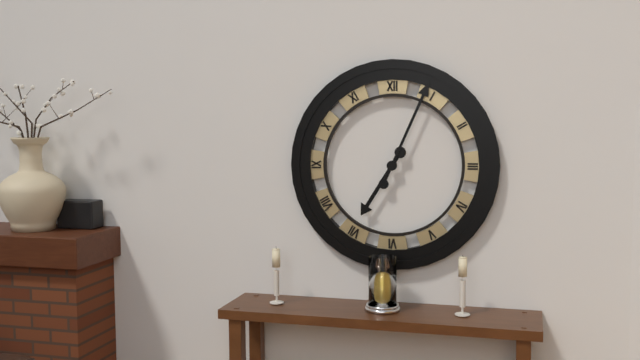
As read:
7:04
